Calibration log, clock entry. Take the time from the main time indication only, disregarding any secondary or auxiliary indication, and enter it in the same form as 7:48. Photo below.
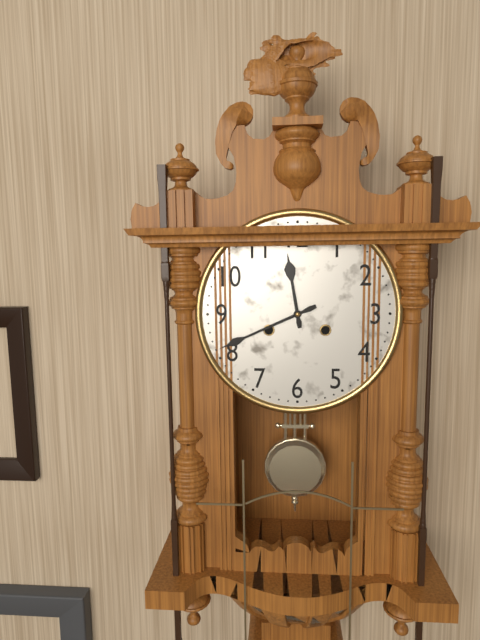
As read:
11:41
